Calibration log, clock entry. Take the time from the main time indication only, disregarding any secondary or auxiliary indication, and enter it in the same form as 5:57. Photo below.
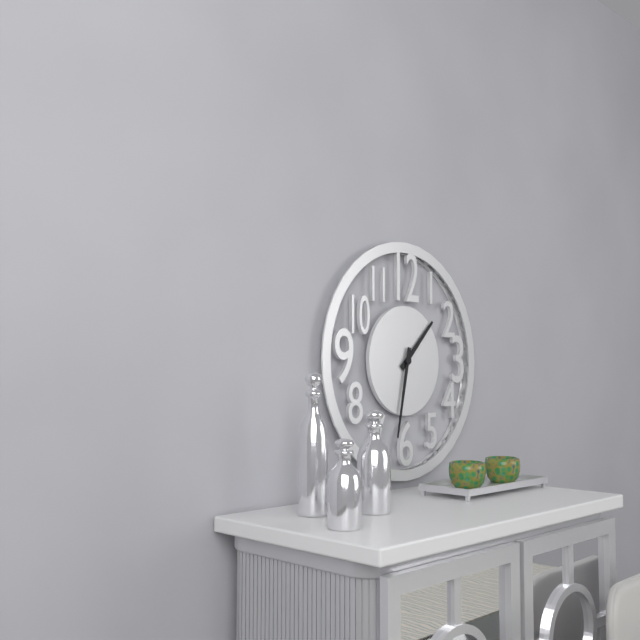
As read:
1:32
